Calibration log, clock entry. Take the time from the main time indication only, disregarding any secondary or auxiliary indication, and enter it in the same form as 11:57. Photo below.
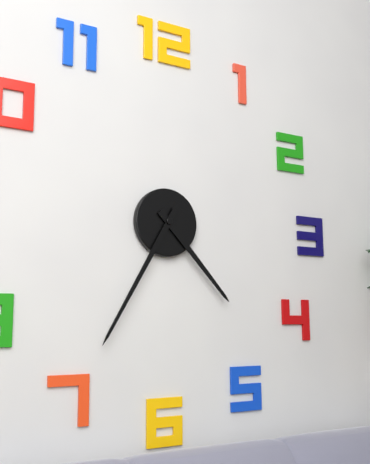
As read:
4:35
